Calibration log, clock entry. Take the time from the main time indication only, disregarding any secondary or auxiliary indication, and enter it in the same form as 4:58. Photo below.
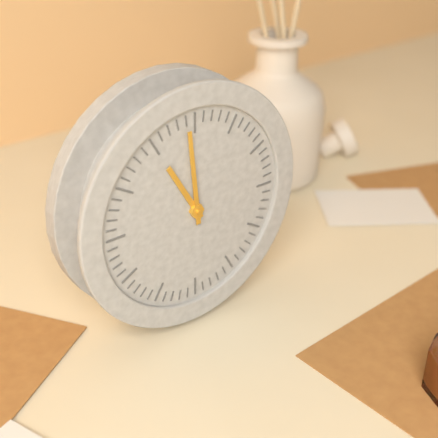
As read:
10:59
